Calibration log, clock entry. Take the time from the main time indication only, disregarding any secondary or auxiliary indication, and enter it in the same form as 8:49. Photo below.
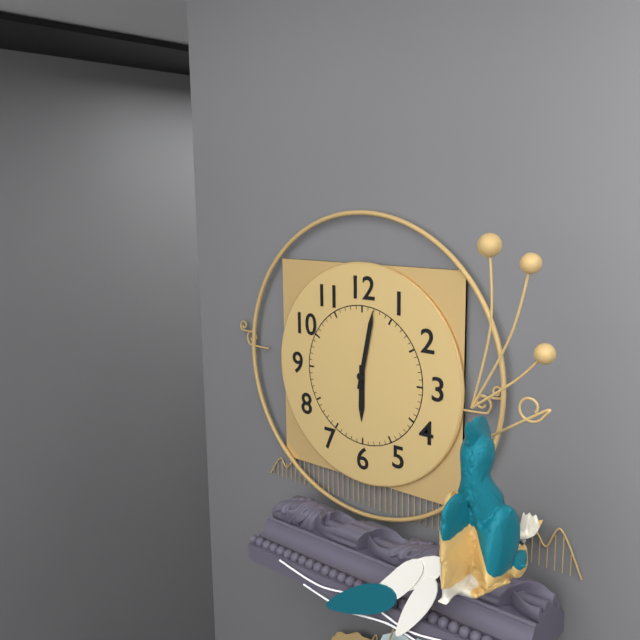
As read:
6:02
